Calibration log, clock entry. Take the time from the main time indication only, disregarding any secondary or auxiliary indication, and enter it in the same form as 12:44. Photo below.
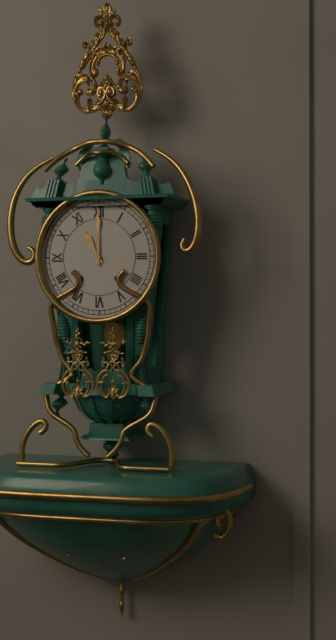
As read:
11:00
